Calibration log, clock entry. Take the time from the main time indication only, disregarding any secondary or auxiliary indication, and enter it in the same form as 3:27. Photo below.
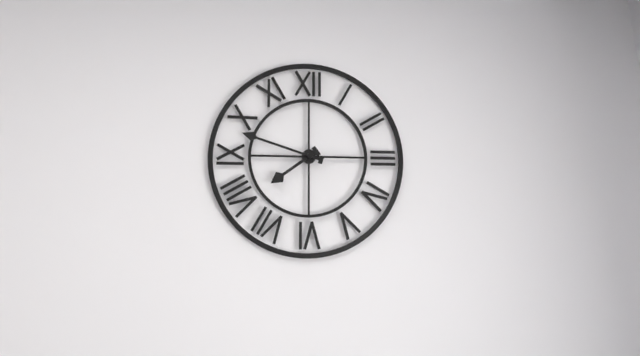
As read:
7:48
